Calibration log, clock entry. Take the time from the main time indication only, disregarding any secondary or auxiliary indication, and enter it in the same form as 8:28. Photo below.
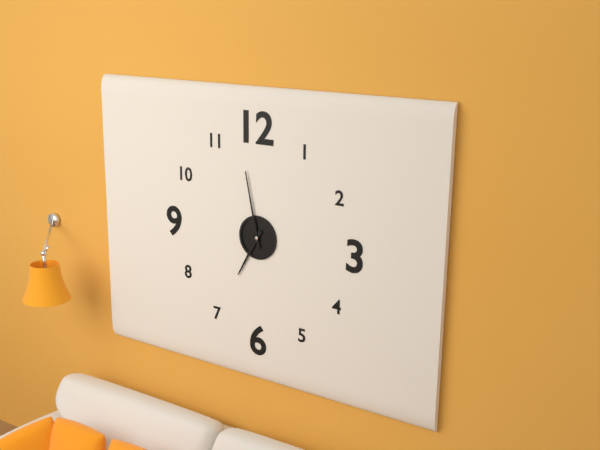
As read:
6:58
